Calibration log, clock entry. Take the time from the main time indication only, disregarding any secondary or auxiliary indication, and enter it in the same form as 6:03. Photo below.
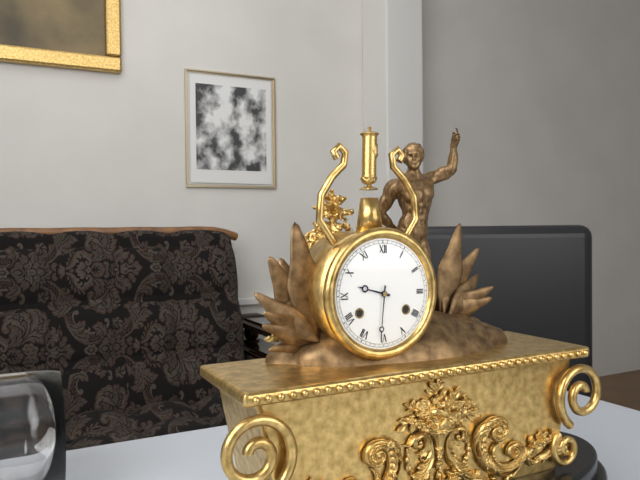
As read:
9:31
